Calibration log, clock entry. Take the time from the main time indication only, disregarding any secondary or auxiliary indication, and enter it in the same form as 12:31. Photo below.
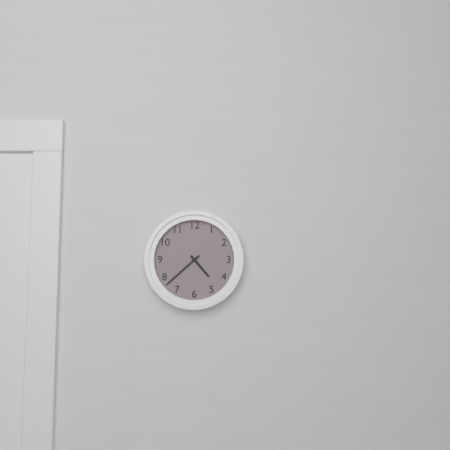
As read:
4:38
